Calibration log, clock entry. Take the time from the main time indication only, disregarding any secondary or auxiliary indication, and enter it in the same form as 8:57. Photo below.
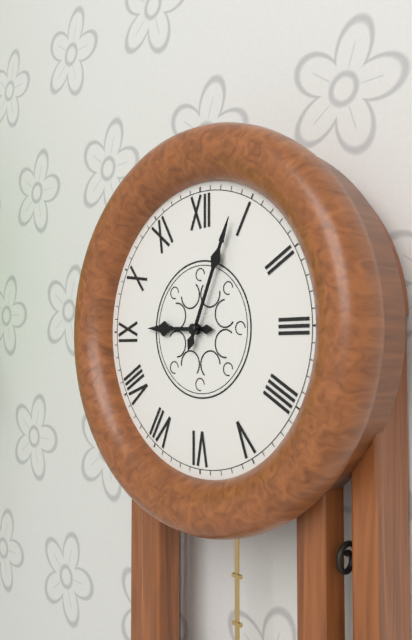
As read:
9:04
